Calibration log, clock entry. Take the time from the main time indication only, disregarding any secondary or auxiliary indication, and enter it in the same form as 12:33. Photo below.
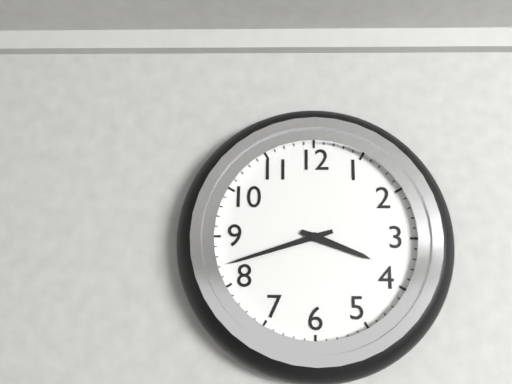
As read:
3:42
